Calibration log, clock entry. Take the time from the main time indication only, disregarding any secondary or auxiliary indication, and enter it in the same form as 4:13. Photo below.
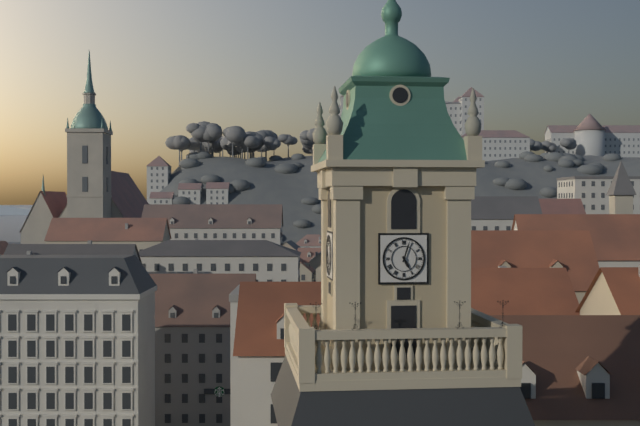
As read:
5:03
